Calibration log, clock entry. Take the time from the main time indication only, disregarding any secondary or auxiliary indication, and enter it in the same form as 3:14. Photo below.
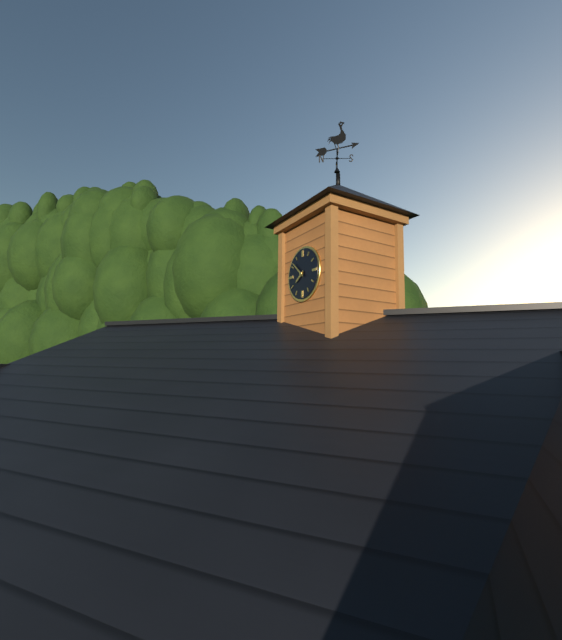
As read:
7:52
